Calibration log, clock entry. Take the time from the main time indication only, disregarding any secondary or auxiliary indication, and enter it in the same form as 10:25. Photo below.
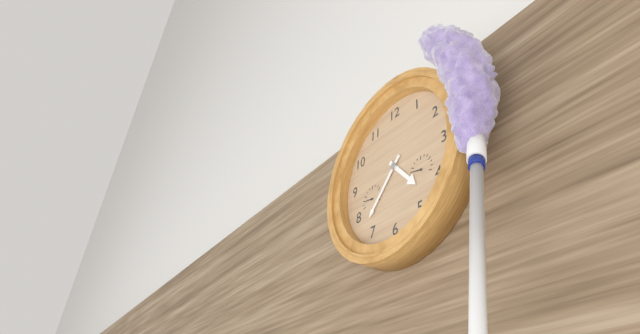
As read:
4:37
